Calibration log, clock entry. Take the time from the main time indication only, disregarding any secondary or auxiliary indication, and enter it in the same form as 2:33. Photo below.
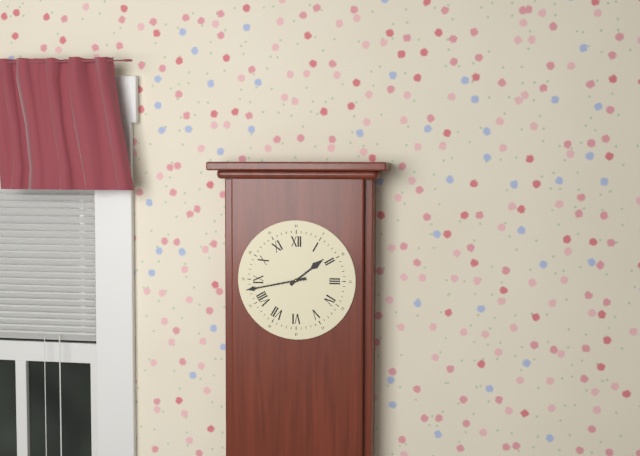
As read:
1:43
